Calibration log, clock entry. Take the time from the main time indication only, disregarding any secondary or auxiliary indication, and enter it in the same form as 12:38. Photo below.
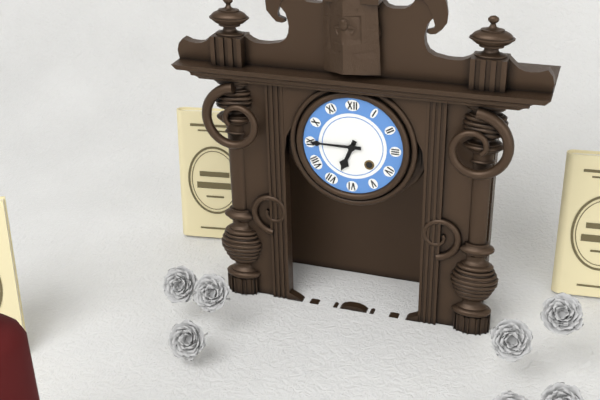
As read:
6:45
